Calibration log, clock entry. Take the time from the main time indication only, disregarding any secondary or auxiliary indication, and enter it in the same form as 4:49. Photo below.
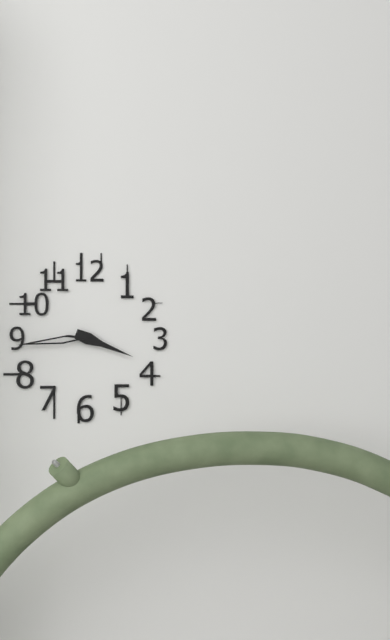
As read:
3:44
